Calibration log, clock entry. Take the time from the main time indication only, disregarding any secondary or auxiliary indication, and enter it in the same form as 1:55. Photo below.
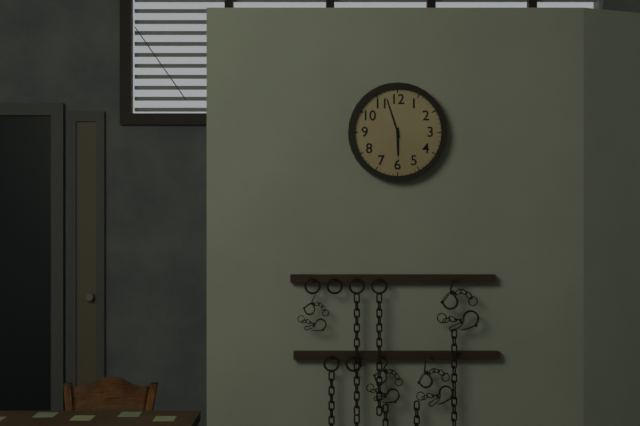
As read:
5:57
